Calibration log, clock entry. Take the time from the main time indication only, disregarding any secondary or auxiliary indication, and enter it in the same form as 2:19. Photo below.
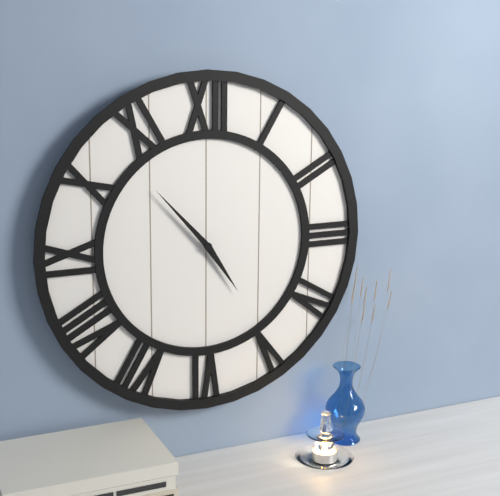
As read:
4:53
